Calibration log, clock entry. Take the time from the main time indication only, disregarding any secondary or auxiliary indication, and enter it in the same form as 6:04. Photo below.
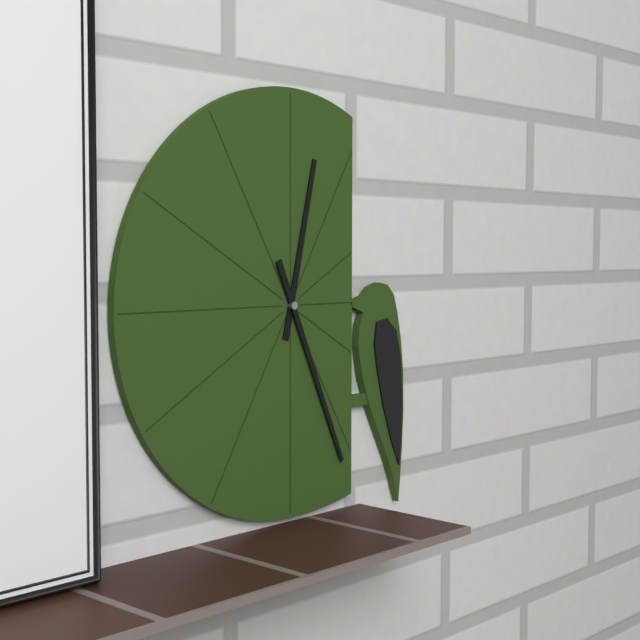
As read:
12:26
